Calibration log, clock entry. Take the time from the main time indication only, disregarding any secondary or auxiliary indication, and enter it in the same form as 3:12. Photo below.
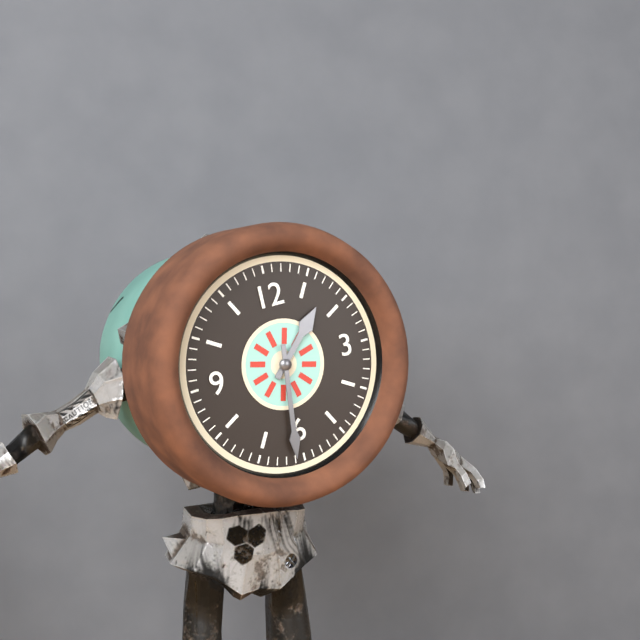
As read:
1:31
